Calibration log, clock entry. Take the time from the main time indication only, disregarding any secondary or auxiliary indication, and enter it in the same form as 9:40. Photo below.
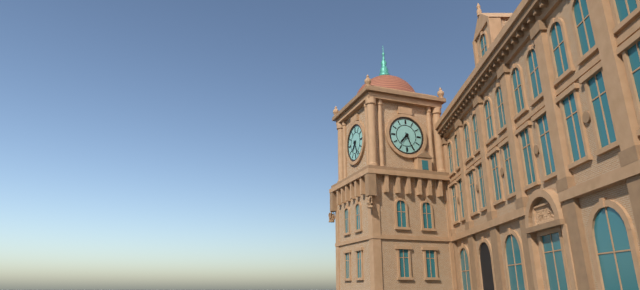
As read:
7:26
